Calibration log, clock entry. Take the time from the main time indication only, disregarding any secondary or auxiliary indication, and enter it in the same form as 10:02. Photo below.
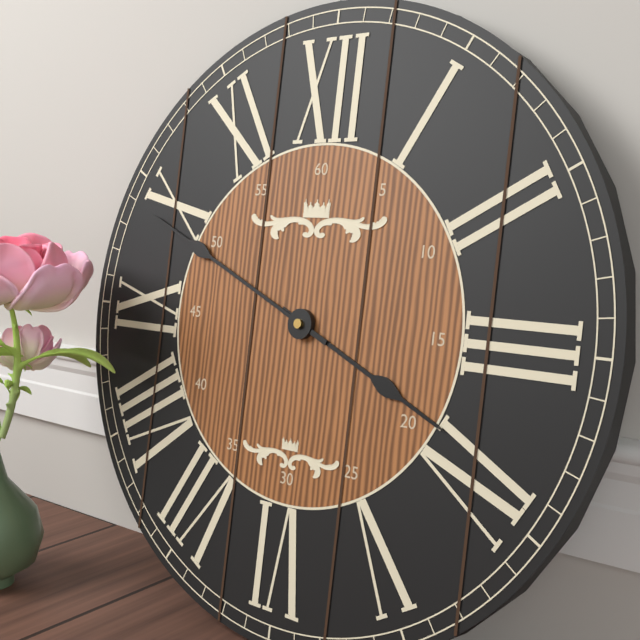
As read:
3:49
